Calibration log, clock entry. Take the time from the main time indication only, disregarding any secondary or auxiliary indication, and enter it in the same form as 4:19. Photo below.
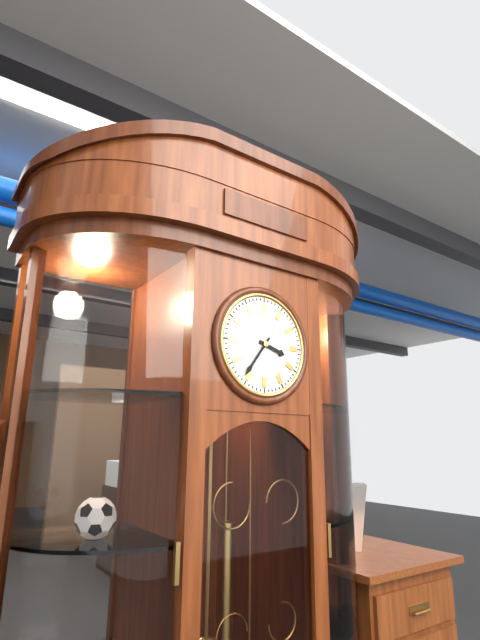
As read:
3:36
